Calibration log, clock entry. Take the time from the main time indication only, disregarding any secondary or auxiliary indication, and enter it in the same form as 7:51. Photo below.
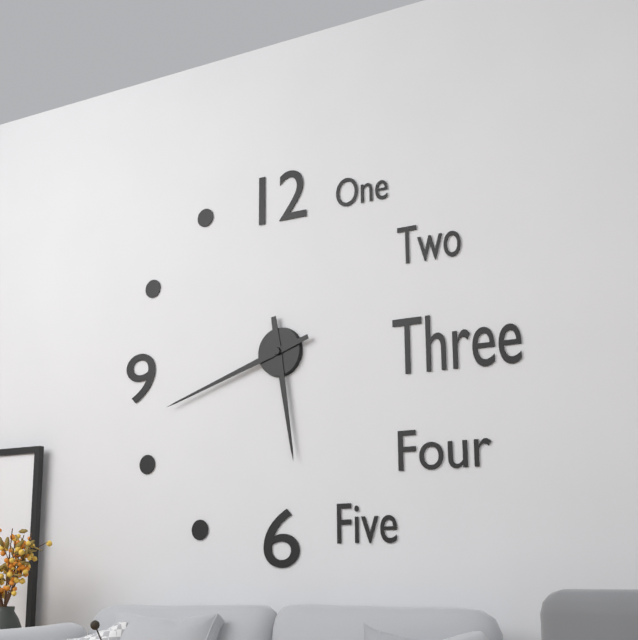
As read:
5:42
